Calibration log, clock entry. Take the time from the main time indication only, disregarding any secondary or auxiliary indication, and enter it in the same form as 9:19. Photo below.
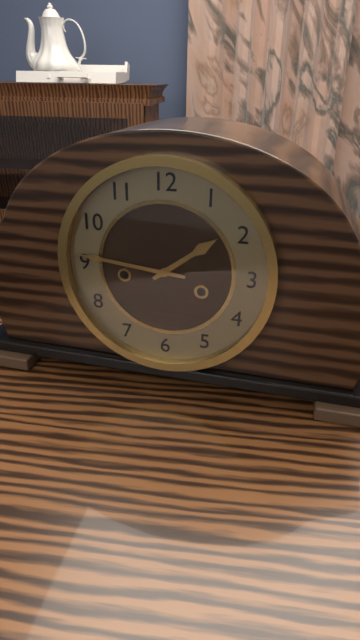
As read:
1:46
